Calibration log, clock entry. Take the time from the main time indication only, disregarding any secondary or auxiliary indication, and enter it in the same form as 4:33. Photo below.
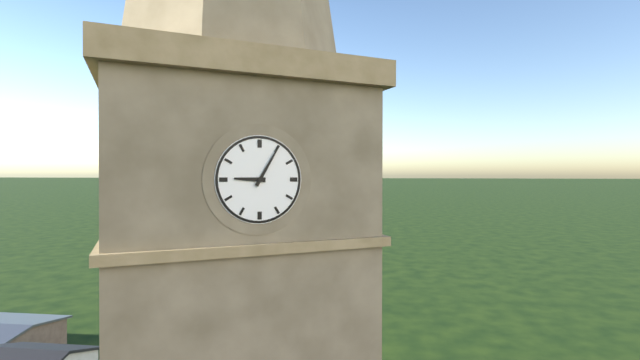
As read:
9:05
